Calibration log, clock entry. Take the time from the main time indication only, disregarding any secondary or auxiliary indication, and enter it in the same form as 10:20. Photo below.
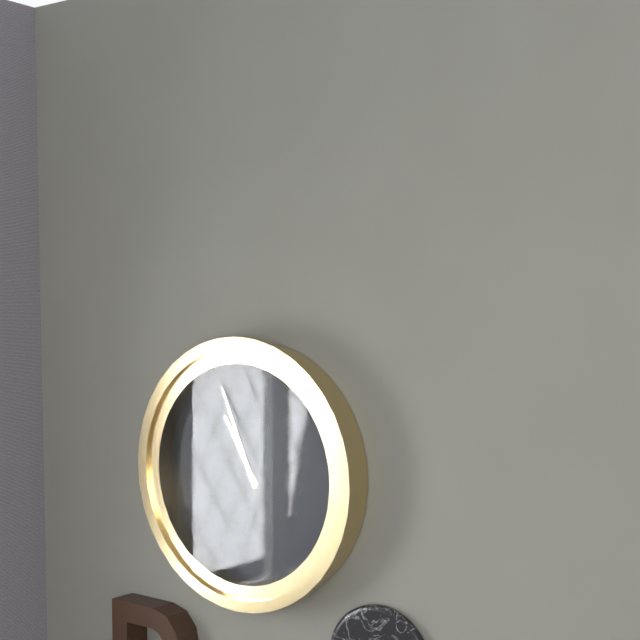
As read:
10:56
